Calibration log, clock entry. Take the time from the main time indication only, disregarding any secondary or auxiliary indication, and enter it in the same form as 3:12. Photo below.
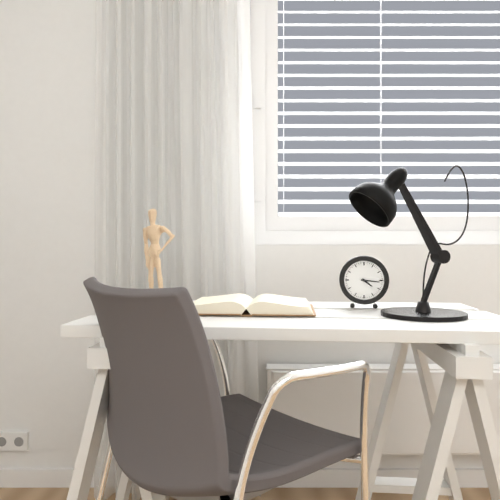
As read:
4:16
